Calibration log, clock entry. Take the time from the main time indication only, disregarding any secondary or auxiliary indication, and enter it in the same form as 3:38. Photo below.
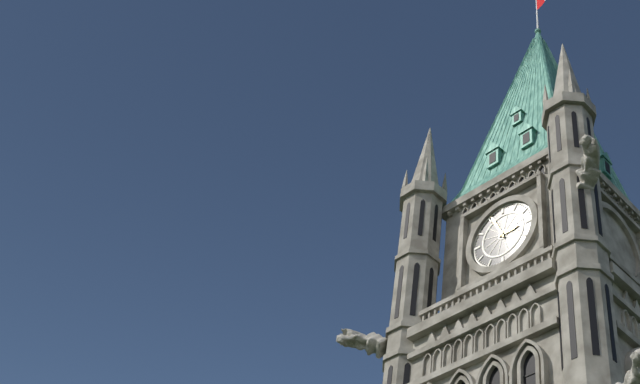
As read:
2:56
